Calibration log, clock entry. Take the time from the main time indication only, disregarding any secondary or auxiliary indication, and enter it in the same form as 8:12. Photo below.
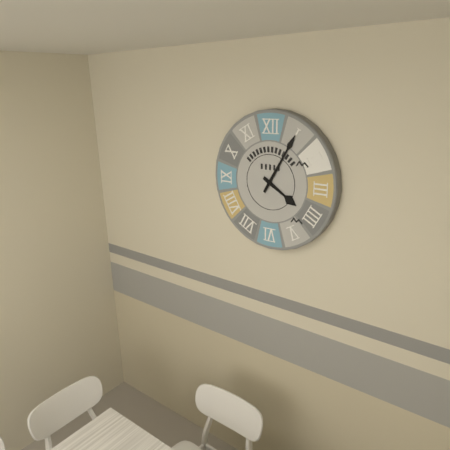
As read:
4:05
